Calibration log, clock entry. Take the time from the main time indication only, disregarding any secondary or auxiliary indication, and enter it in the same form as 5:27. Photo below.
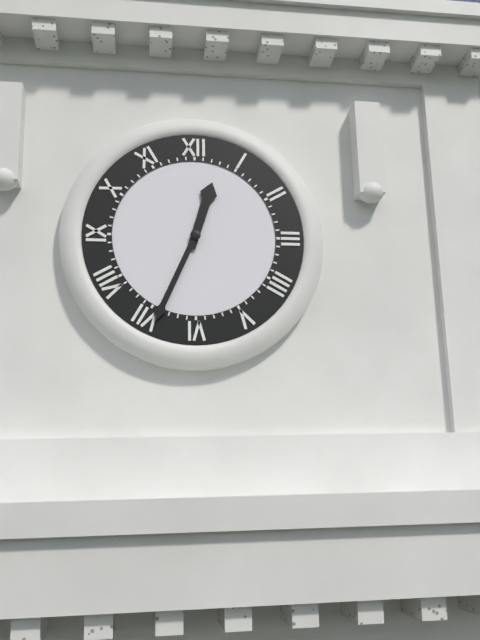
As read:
12:34
